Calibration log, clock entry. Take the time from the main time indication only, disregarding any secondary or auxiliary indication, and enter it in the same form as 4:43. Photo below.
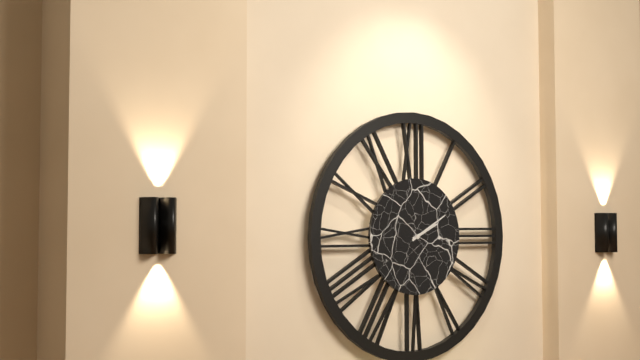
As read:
2:10
